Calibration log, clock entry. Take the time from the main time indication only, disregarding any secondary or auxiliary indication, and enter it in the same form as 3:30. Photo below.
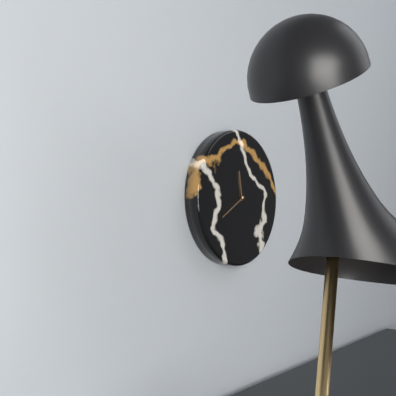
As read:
11:40
